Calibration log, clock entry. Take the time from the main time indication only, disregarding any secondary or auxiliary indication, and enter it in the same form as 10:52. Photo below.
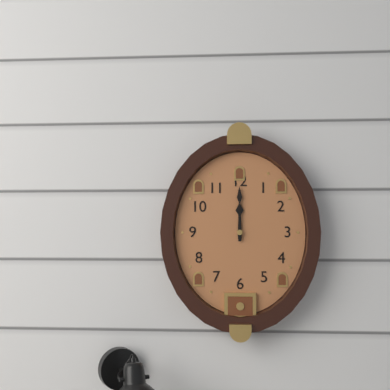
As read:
12:00
